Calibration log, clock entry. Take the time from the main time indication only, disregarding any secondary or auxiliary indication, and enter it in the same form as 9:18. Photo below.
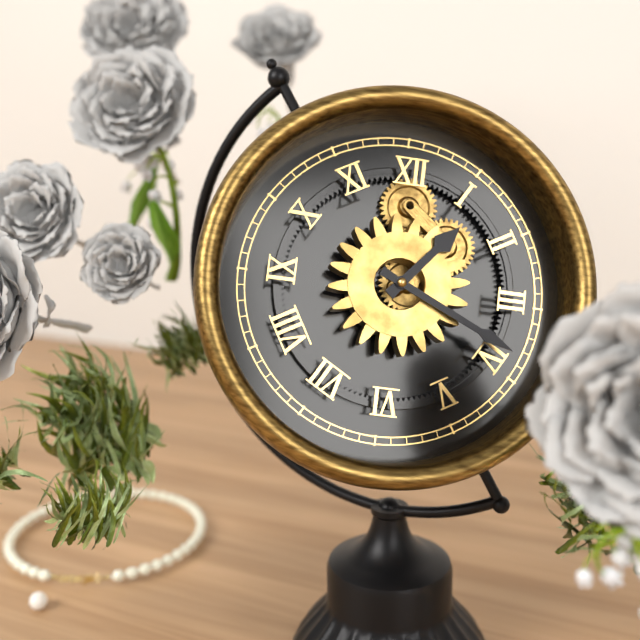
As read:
1:19
